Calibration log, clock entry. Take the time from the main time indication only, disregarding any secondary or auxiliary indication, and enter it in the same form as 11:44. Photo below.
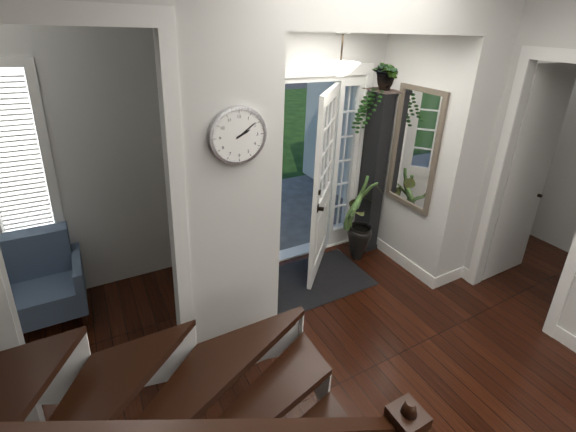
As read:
2:09
